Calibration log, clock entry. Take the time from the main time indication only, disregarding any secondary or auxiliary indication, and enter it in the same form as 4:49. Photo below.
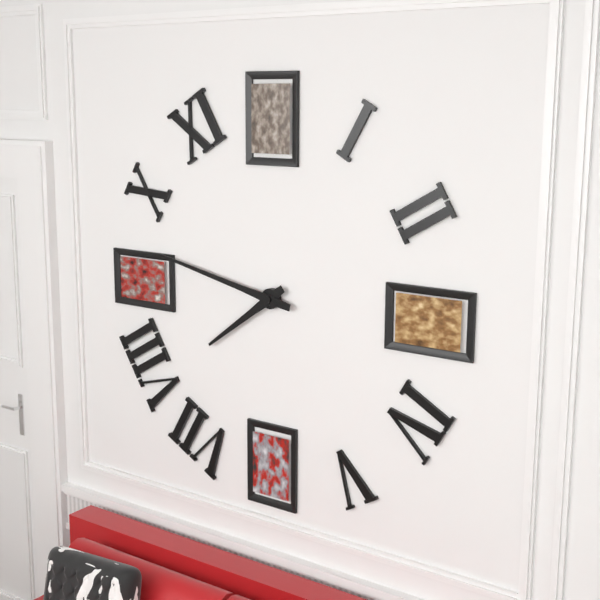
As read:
7:47
